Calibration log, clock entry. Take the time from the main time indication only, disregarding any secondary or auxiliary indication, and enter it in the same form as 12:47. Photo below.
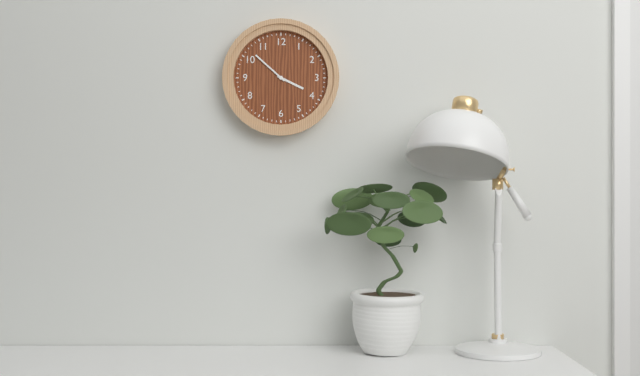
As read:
3:52
